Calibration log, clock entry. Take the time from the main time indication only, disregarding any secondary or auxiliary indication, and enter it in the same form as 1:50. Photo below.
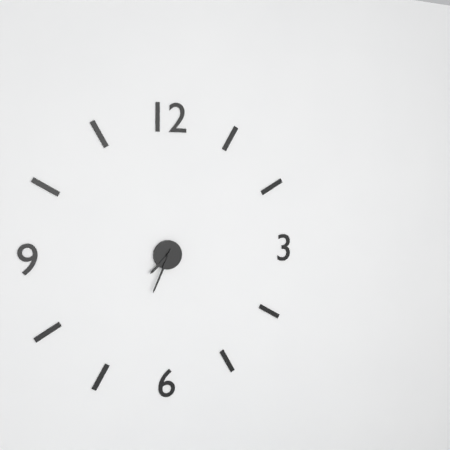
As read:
7:34
